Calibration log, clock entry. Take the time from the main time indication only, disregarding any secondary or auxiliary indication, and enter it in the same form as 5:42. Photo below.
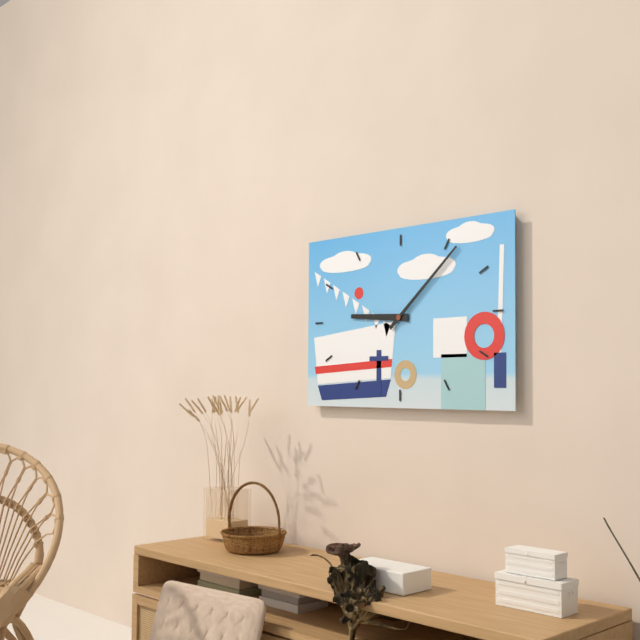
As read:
9:08
